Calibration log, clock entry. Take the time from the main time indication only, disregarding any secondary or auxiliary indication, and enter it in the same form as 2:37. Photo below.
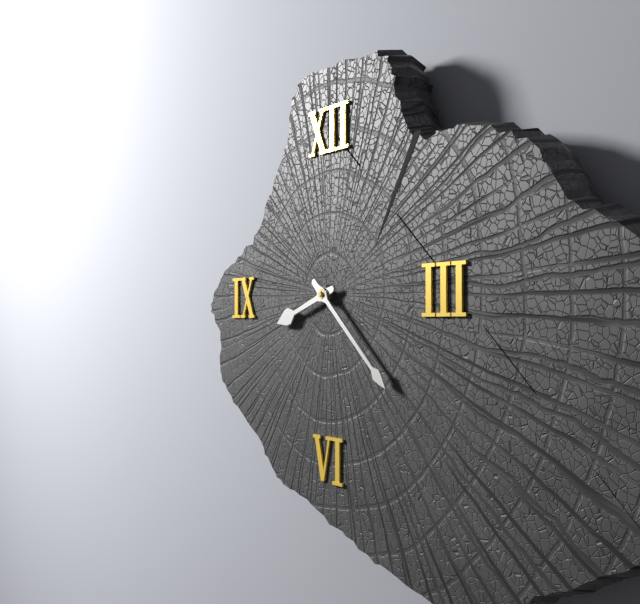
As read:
8:22
